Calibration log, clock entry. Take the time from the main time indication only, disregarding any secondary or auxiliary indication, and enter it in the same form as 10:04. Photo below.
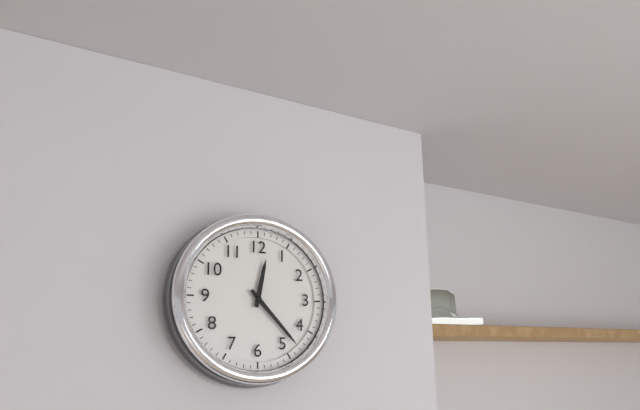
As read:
12:23
